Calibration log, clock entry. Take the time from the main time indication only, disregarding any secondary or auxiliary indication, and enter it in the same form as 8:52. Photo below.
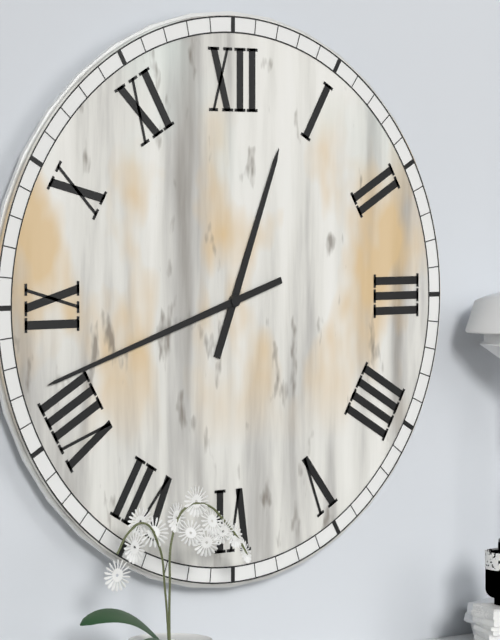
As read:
12:42
